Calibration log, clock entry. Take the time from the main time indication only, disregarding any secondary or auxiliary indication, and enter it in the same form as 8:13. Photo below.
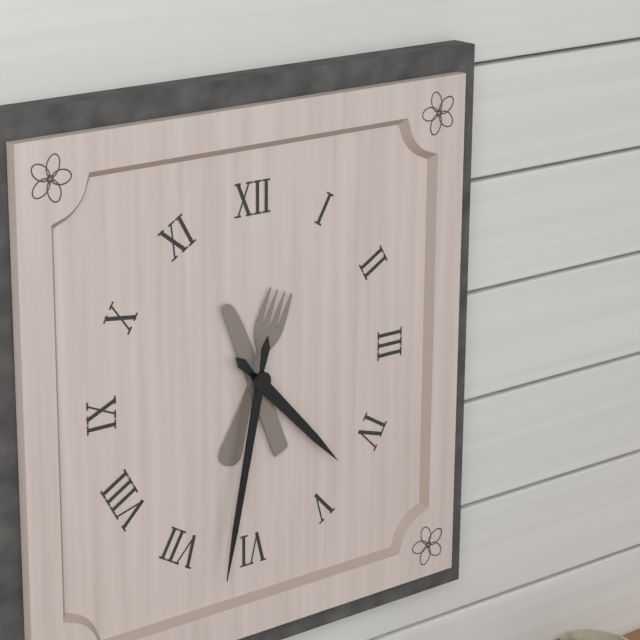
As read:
4:32
